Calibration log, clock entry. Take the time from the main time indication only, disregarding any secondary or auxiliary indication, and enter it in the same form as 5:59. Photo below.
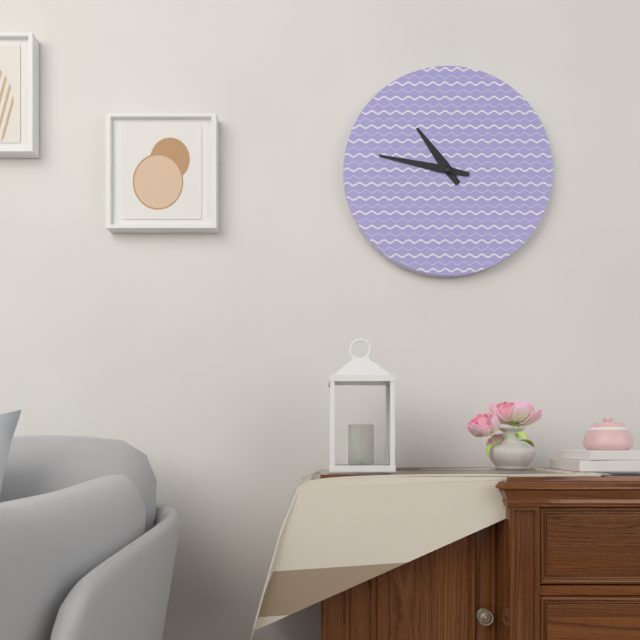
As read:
10:47
